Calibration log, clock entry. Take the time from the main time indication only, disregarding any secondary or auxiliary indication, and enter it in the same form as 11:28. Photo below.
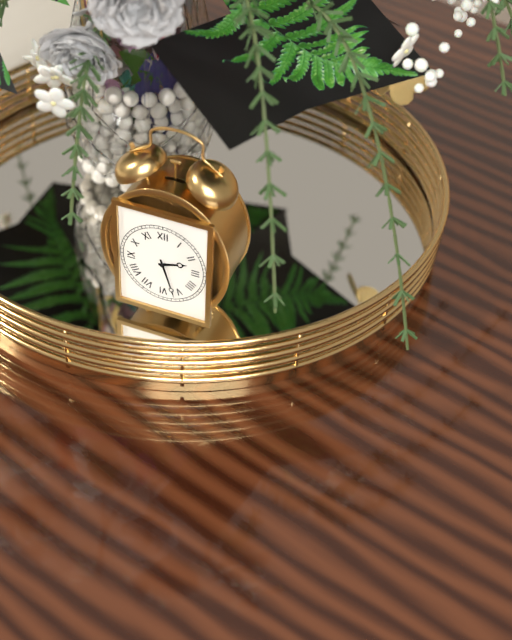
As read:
2:27
